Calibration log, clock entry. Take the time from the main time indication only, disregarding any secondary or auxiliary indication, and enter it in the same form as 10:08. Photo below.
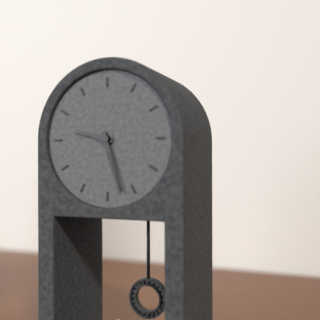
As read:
9:27
